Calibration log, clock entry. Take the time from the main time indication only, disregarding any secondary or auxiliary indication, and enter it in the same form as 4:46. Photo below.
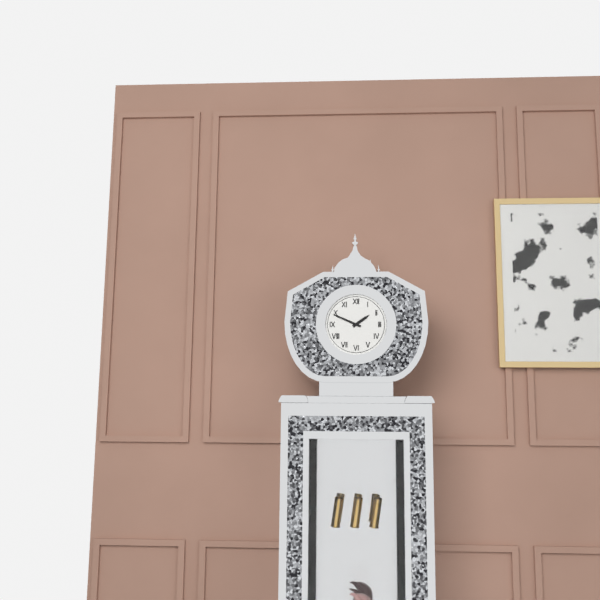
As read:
1:49
